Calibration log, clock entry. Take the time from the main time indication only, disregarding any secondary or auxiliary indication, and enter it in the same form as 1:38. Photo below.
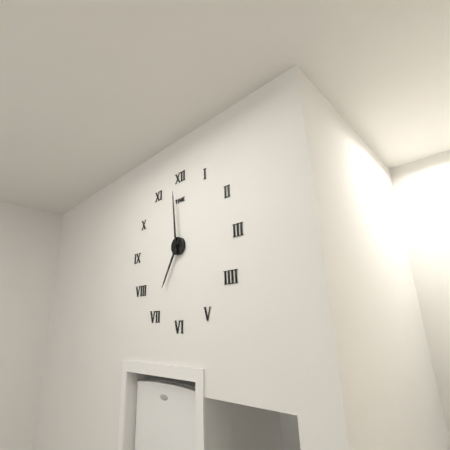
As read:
6:59
